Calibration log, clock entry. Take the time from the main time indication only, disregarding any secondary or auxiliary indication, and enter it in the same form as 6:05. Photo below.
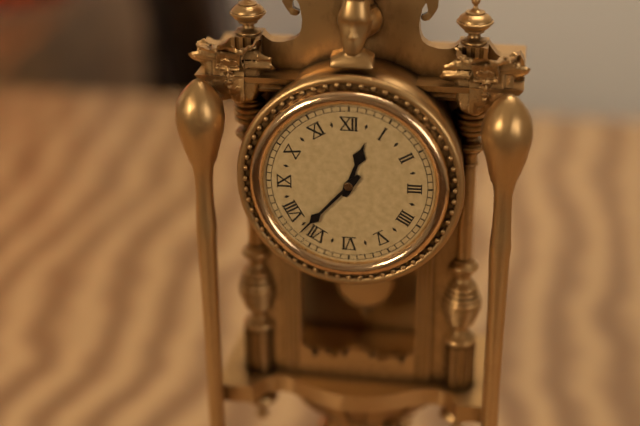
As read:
12:37
